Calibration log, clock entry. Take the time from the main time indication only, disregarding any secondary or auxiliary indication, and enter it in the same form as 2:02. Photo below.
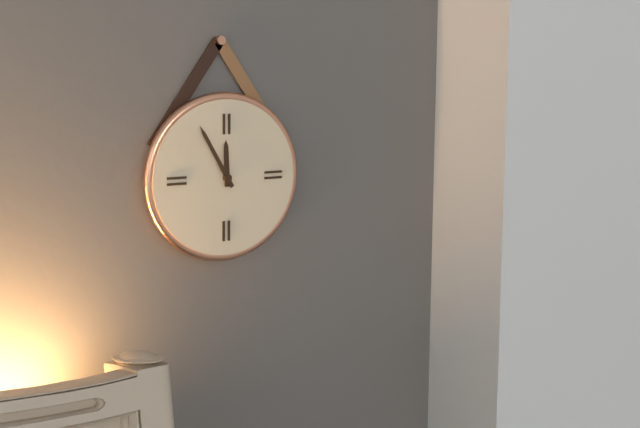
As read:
11:55
